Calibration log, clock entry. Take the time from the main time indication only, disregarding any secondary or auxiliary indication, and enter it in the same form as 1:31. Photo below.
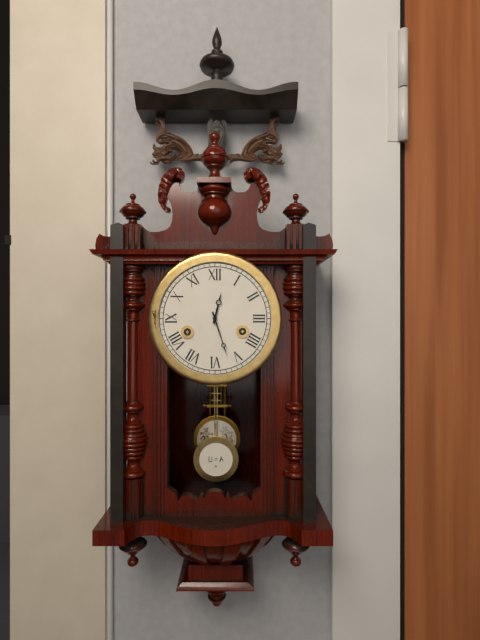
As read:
12:27
